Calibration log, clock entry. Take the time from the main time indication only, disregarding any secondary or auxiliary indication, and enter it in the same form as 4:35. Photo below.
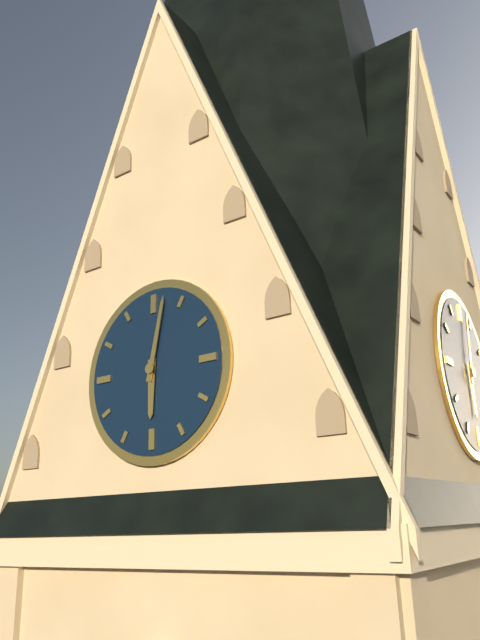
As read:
6:02
